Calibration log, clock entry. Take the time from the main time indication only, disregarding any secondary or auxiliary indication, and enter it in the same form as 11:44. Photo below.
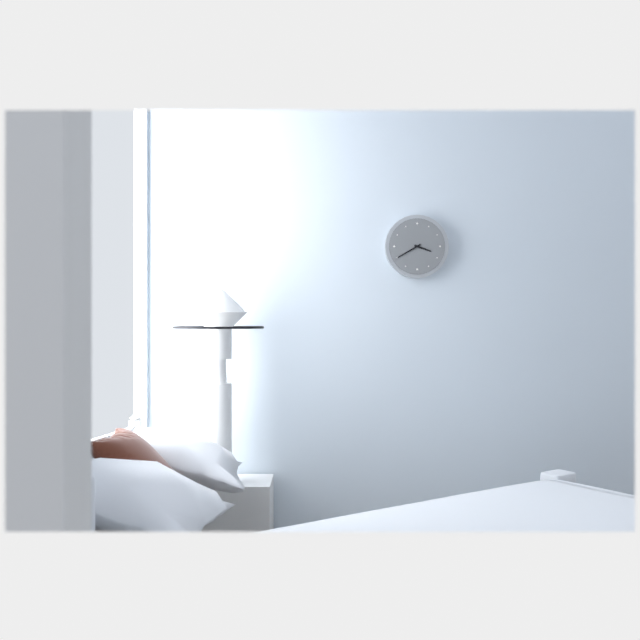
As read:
3:40
